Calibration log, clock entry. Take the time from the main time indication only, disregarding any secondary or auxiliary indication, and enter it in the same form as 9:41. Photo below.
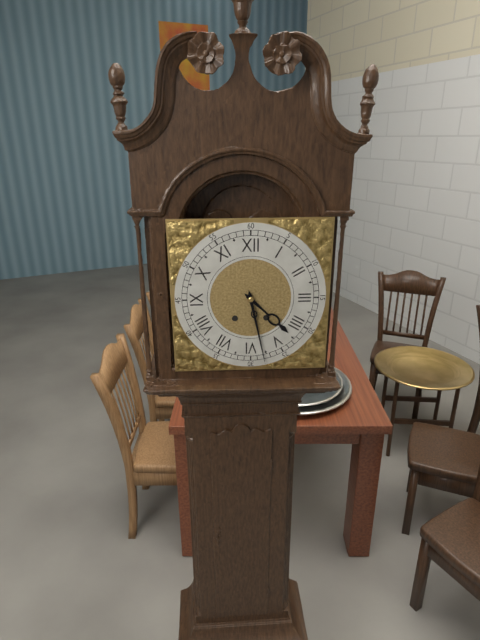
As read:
4:28
